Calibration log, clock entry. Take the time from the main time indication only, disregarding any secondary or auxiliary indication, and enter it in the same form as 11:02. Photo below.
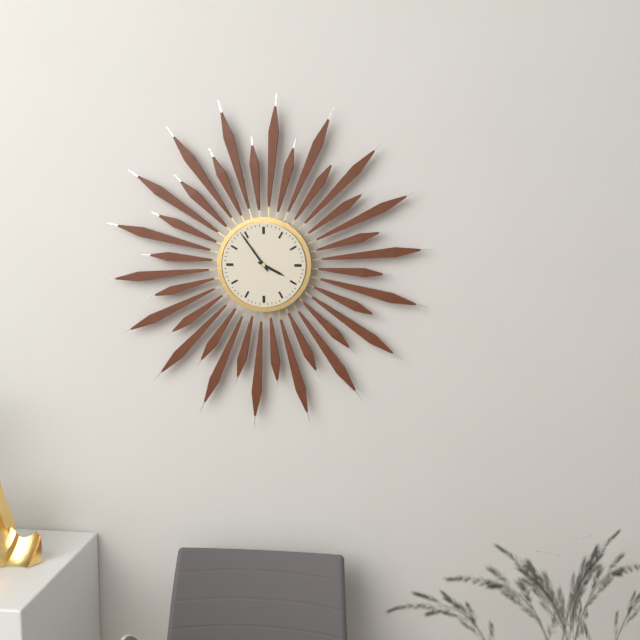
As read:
3:54
